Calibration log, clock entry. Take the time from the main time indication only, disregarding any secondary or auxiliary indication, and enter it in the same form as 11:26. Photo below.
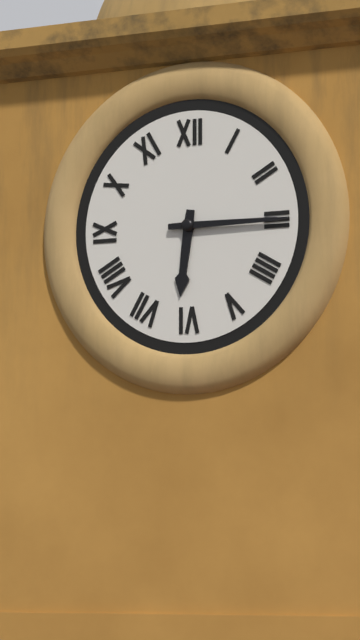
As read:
6:15
